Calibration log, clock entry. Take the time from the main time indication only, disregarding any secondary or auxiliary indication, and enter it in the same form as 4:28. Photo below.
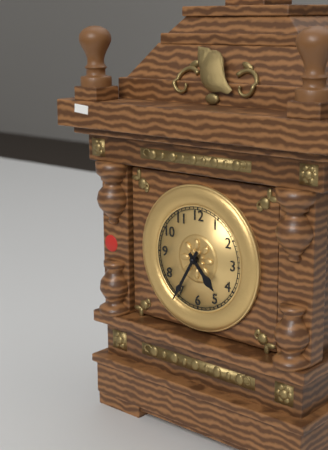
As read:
4:35
